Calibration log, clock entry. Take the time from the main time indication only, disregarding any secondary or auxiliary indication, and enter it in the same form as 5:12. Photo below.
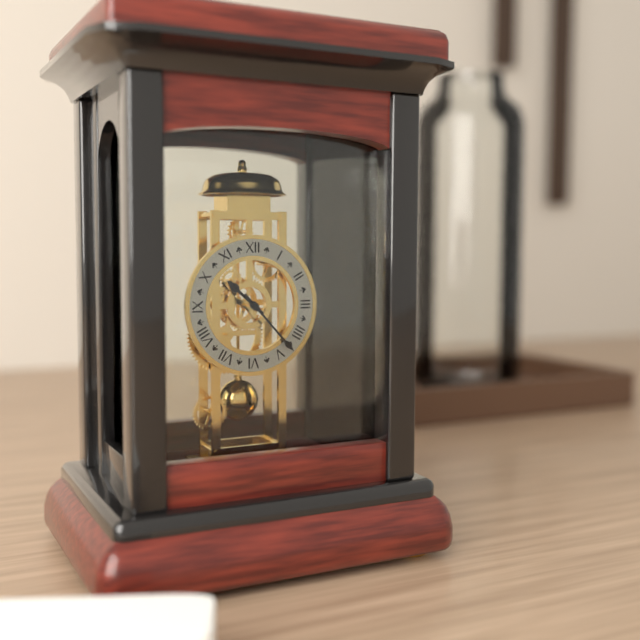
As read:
10:23
